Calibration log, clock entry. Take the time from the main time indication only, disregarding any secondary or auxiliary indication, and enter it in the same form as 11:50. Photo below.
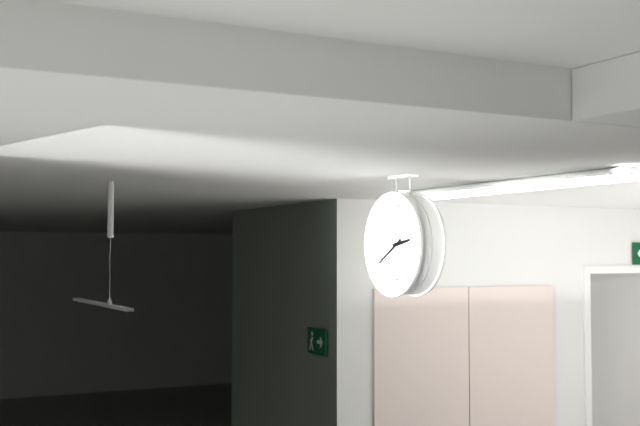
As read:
2:40
